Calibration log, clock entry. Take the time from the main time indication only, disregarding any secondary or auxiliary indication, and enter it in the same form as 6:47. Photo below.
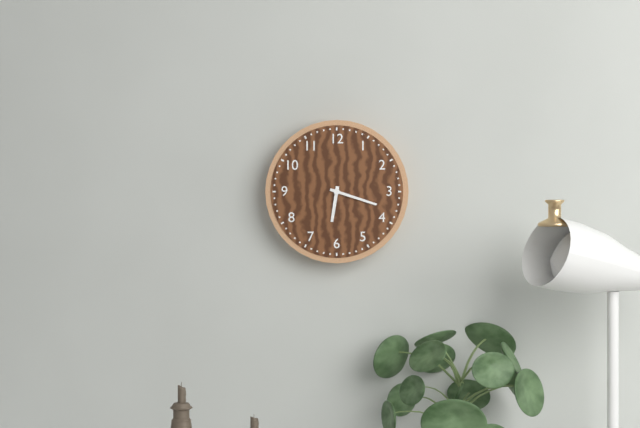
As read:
6:18
